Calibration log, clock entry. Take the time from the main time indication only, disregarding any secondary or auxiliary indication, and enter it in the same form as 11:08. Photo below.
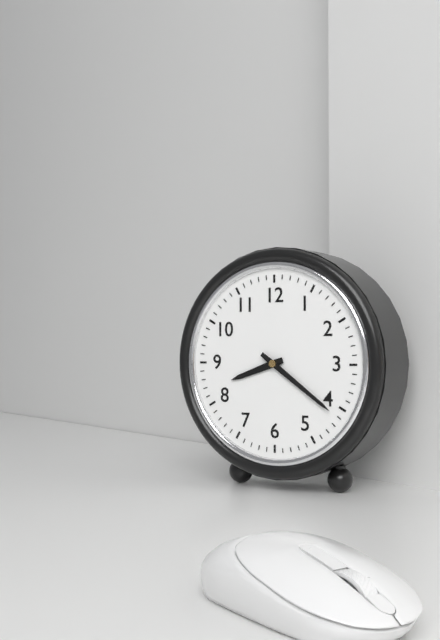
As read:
8:21
